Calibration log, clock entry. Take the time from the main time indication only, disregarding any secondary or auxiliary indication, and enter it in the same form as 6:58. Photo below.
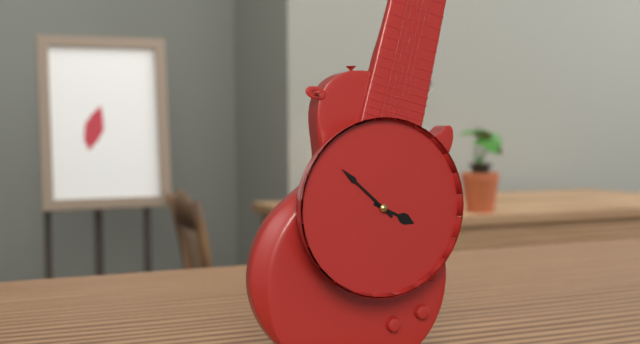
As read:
3:52
